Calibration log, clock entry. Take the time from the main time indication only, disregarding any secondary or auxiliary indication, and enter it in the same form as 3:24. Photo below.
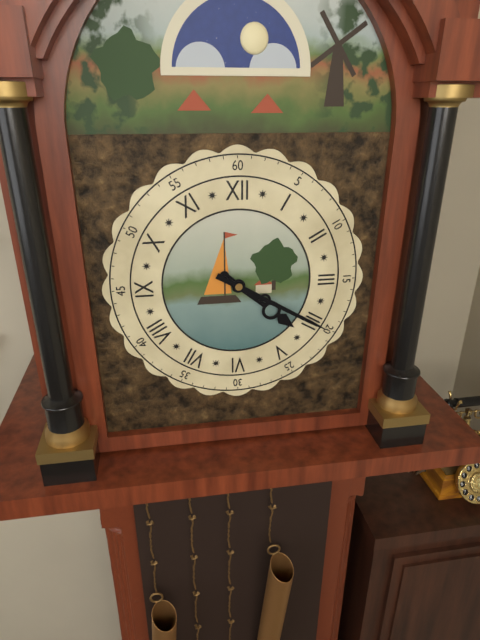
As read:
4:20
